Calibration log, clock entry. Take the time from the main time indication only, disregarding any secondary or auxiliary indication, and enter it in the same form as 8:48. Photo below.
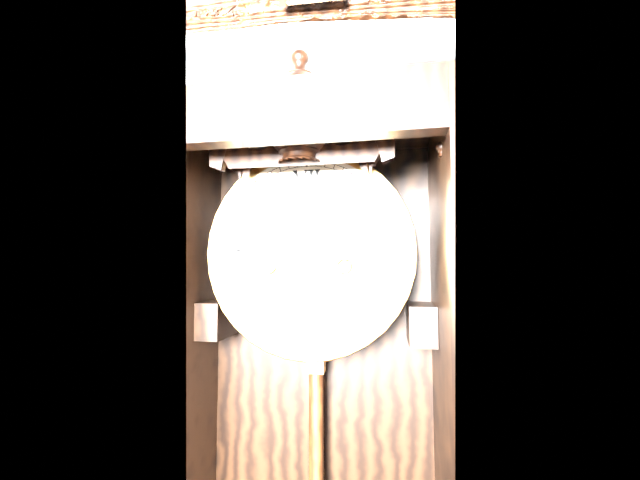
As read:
8:44
